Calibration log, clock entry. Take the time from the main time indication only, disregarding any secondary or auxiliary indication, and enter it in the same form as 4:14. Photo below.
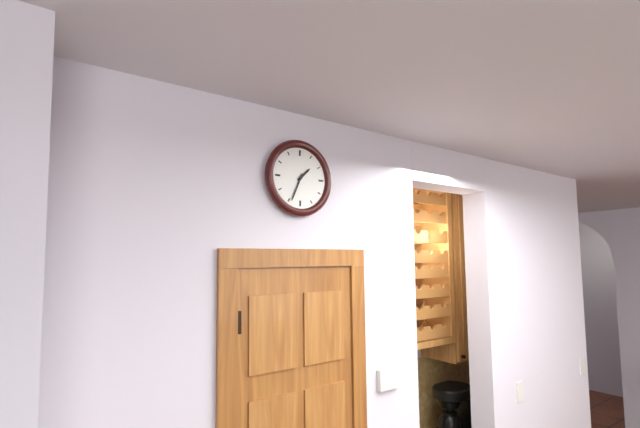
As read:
1:34
